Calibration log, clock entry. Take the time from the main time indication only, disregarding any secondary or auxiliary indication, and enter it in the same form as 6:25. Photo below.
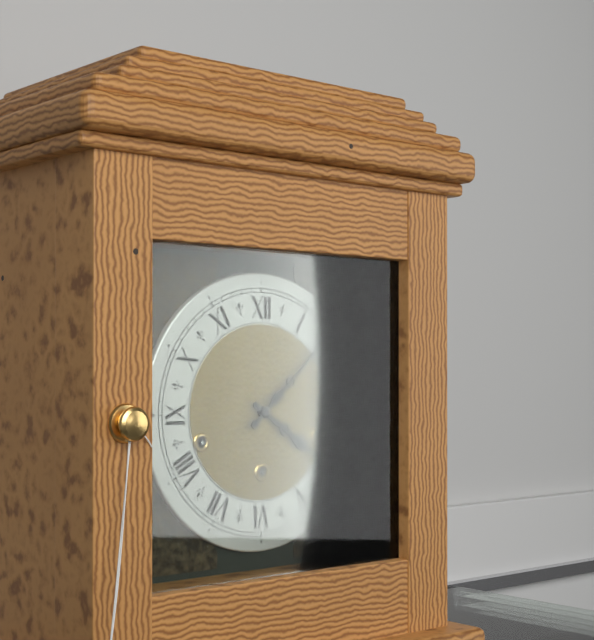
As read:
4:08
